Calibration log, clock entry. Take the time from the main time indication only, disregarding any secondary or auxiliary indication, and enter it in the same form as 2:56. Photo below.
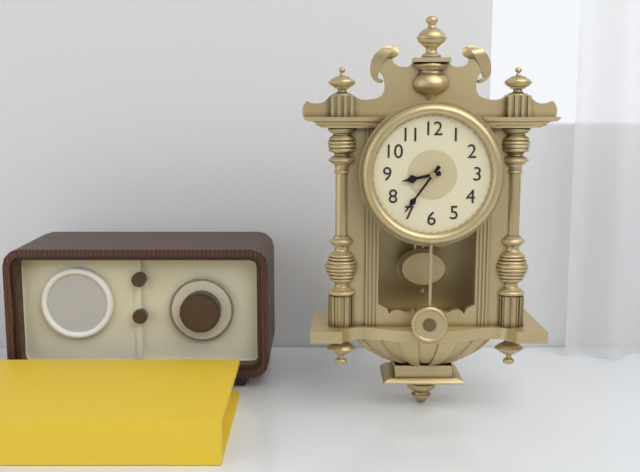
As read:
8:36
